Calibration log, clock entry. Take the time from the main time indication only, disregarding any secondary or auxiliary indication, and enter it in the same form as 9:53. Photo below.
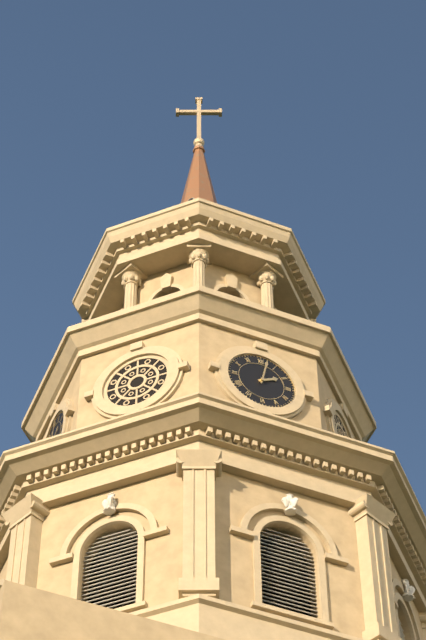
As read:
2:02
